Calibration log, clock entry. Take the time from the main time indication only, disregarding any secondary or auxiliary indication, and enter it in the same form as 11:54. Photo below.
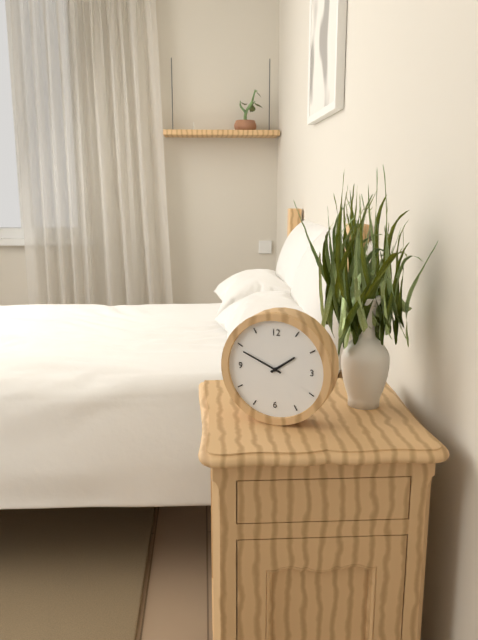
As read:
1:49
